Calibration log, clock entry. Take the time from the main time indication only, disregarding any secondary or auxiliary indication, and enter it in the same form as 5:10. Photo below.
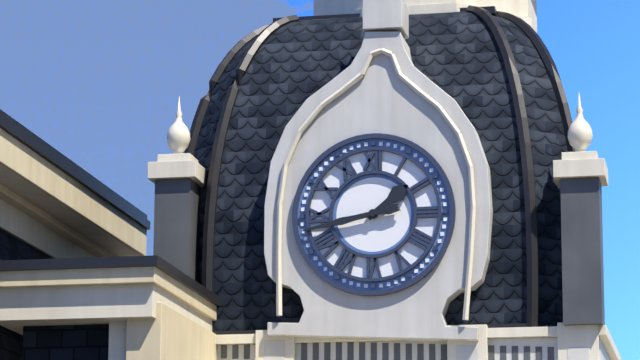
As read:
1:43
